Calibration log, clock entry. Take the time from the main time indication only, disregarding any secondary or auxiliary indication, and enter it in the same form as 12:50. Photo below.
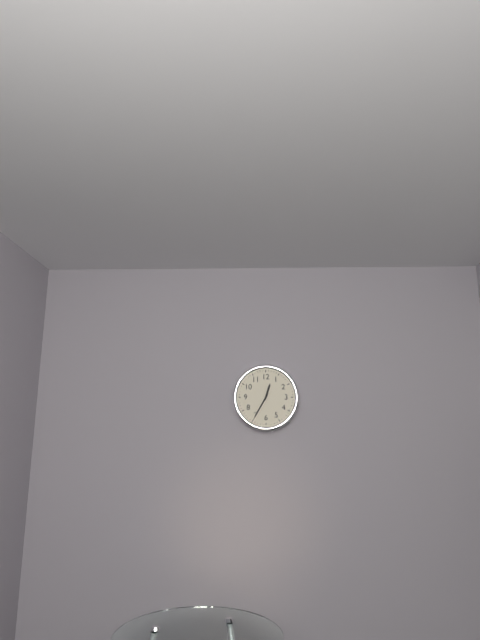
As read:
12:35
